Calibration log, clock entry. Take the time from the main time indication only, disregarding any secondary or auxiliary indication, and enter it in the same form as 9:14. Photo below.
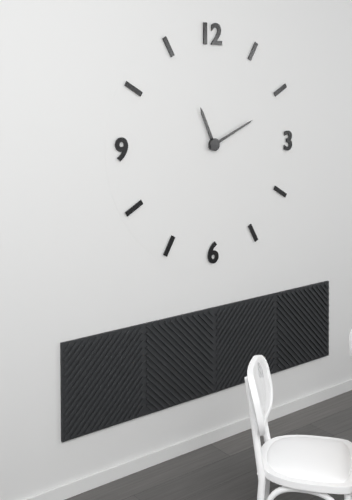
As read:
11:11
